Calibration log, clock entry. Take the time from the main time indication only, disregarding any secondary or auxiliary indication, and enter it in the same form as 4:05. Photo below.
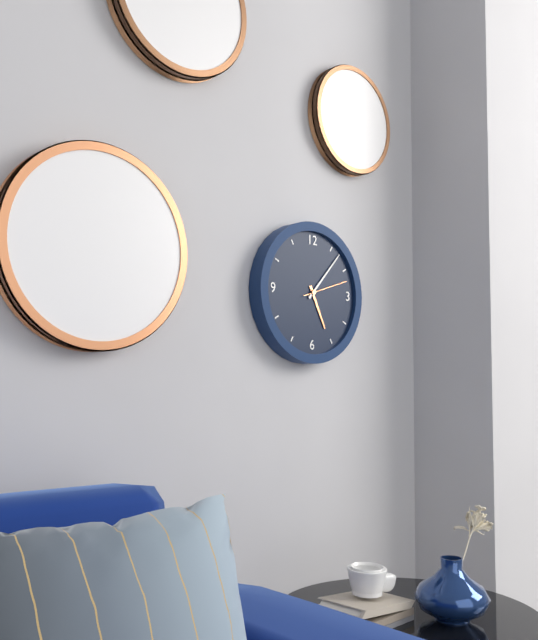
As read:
5:07
